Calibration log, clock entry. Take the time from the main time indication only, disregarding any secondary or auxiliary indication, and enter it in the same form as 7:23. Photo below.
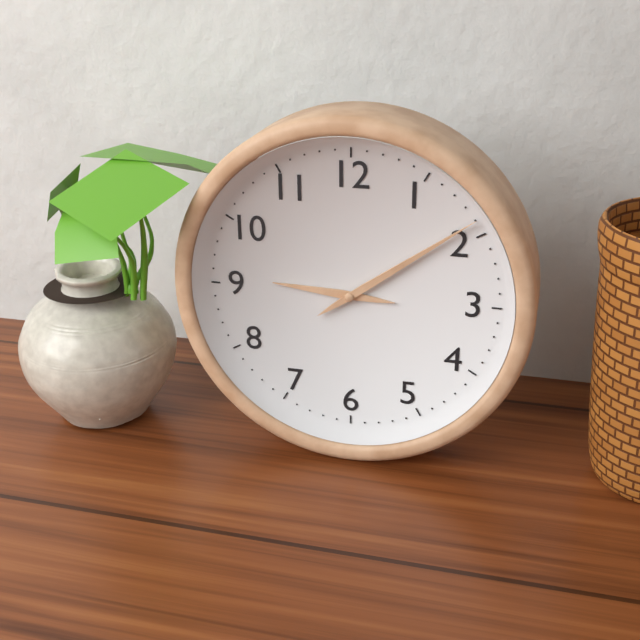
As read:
9:09
